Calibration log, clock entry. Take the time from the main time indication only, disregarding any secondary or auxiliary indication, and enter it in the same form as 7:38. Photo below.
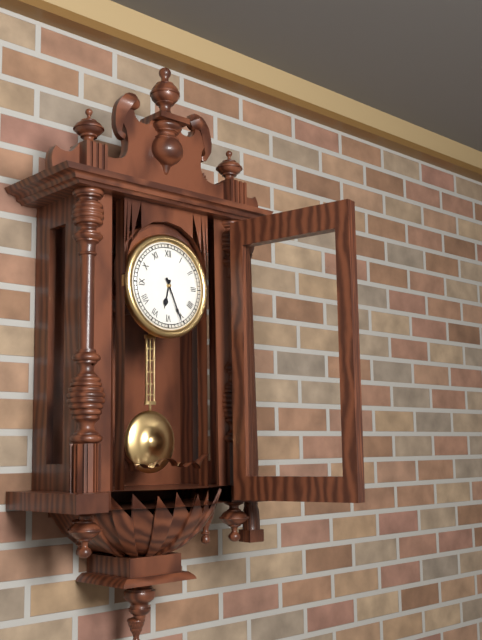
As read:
6:26
